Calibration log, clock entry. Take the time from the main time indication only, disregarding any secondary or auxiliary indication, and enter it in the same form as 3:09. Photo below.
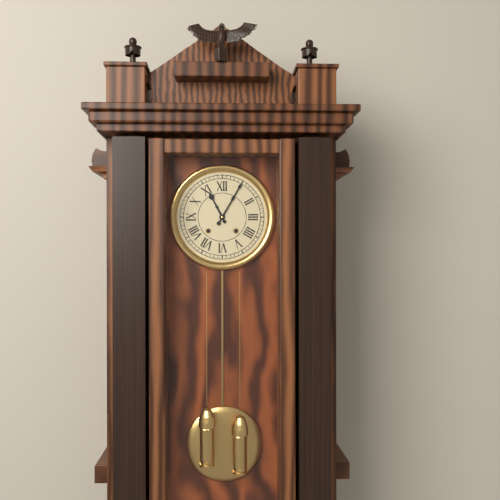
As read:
11:05
